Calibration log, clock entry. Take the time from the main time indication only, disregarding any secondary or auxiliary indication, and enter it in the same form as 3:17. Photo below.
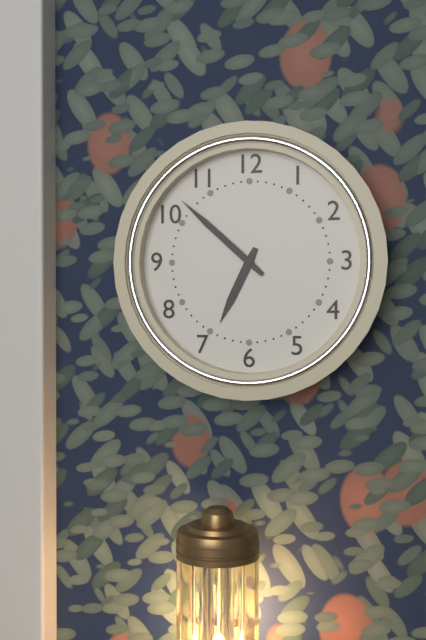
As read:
6:52
